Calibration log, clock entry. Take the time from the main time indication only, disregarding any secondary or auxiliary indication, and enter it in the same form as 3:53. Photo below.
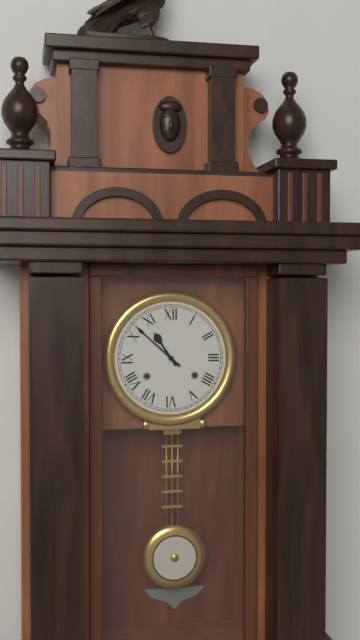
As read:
10:52
